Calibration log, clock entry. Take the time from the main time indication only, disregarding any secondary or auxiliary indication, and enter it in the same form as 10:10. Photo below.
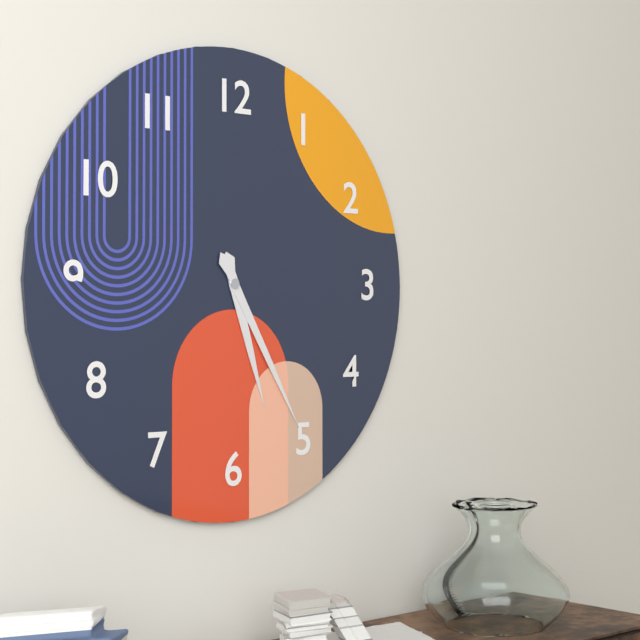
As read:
5:25
